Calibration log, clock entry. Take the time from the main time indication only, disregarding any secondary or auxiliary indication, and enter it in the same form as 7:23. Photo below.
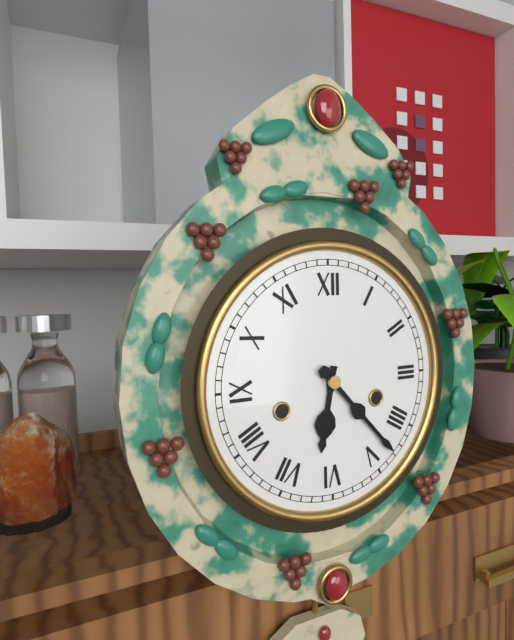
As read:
6:23
